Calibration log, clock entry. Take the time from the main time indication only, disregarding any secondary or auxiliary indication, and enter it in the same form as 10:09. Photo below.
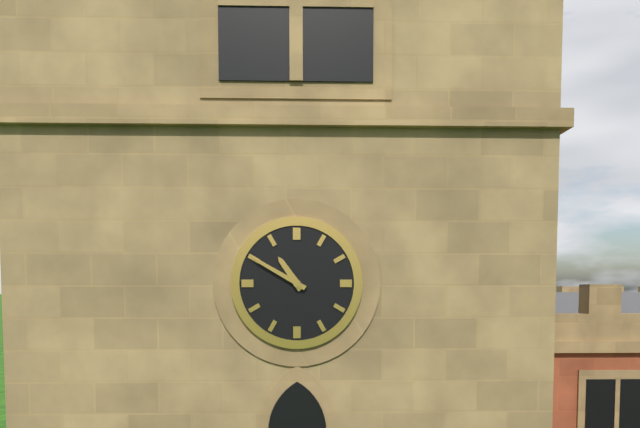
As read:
10:50
